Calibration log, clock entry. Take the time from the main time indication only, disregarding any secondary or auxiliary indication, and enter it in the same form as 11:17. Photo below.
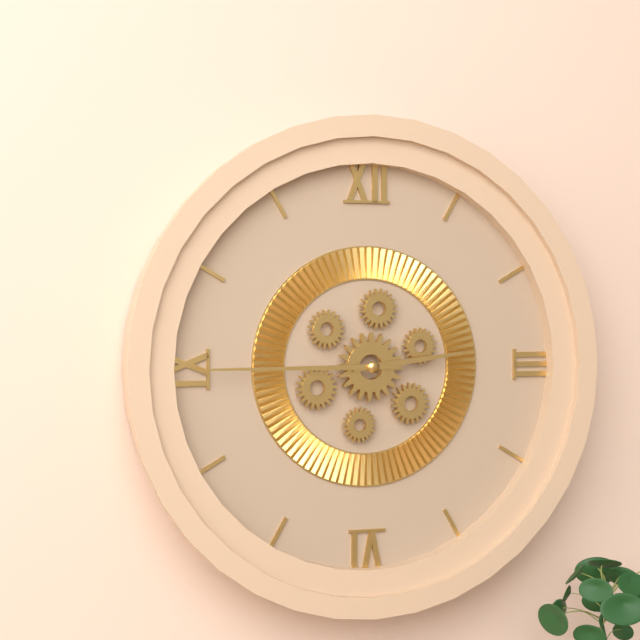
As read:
2:45
